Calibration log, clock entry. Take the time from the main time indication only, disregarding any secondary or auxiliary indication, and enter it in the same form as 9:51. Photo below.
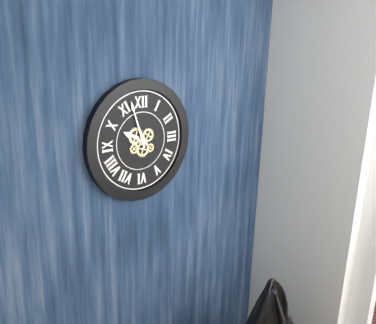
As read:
9:57
